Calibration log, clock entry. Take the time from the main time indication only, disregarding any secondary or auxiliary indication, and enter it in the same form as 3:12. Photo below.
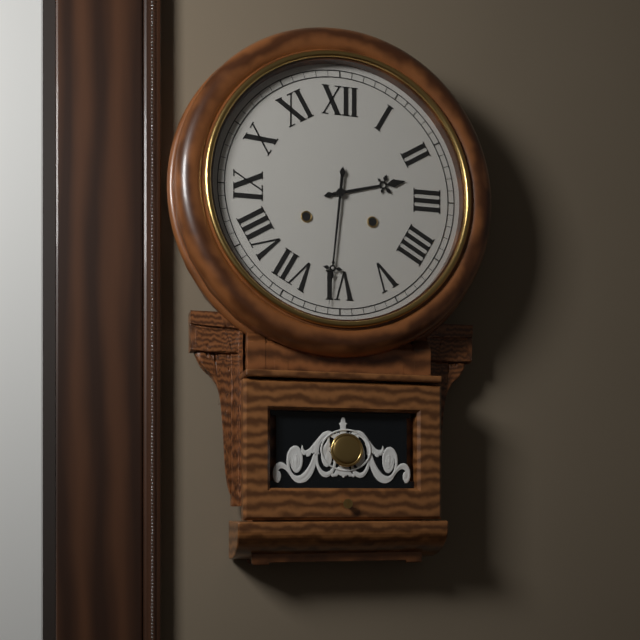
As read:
2:31
